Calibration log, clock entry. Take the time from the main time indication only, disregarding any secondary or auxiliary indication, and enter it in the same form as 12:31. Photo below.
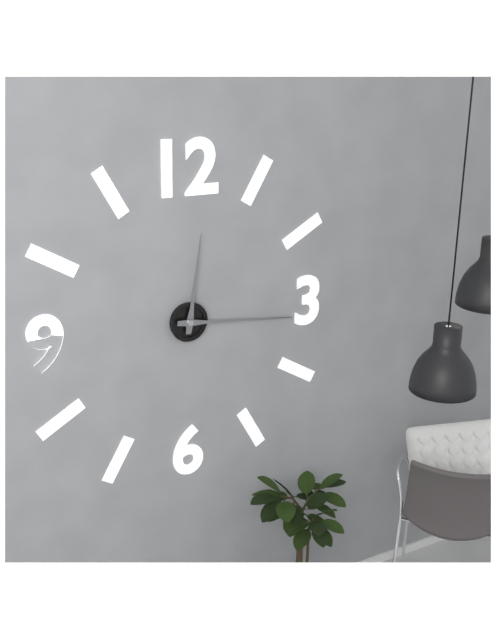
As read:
12:16
